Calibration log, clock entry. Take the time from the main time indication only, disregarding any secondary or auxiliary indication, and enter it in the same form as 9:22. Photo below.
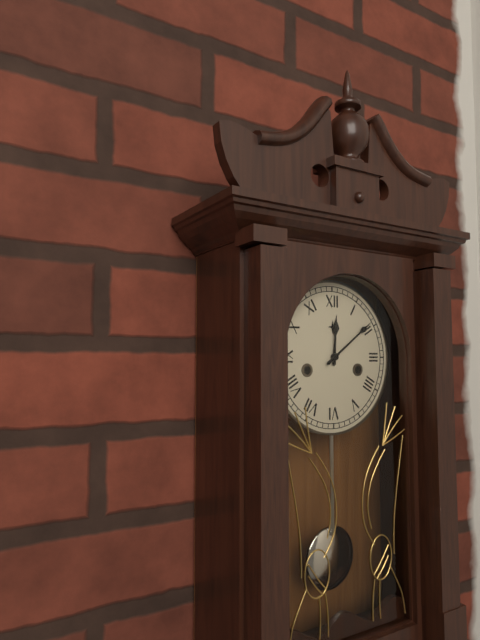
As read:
12:09
